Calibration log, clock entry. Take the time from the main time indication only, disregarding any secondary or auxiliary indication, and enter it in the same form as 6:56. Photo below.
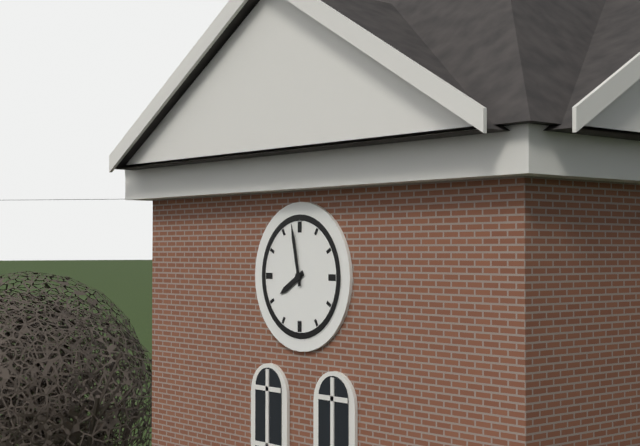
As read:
7:58
